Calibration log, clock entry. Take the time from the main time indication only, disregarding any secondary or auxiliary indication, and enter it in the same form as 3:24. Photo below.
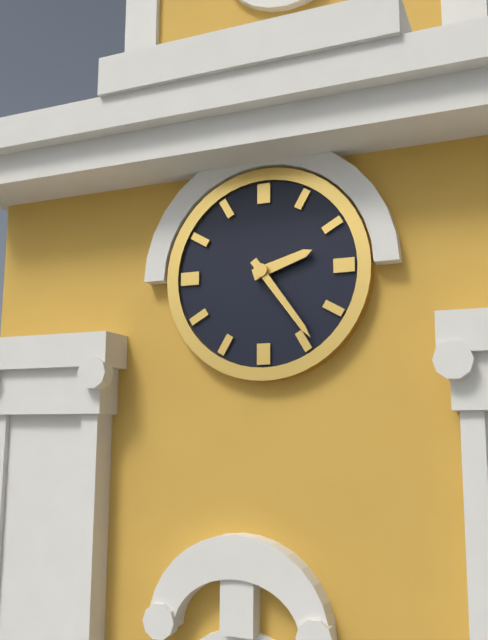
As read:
2:24
